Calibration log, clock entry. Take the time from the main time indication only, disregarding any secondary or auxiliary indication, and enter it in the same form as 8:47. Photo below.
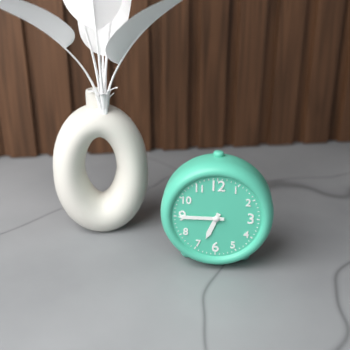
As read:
6:45
